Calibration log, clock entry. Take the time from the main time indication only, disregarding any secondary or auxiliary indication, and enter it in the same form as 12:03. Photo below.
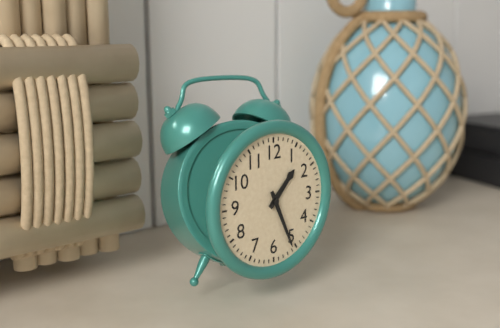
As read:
1:26
